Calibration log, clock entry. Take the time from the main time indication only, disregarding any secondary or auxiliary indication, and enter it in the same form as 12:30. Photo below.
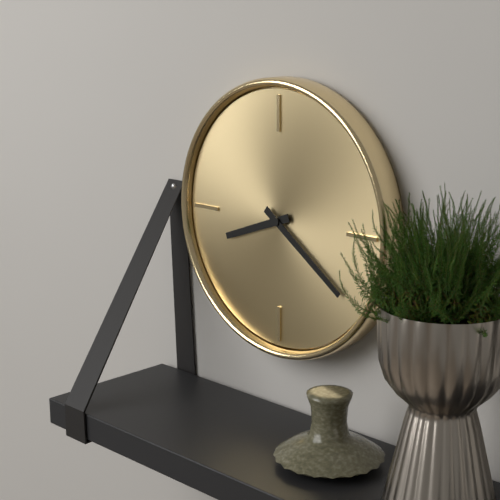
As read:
8:21
